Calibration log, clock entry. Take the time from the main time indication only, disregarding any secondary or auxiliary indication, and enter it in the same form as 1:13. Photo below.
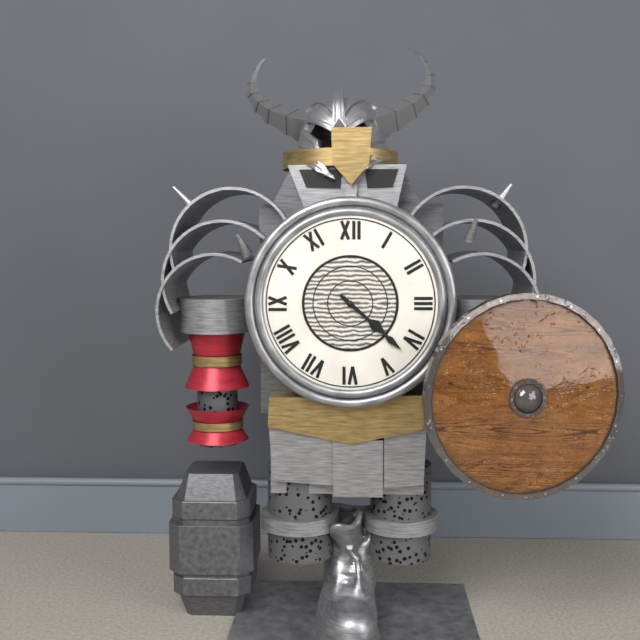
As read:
4:22
